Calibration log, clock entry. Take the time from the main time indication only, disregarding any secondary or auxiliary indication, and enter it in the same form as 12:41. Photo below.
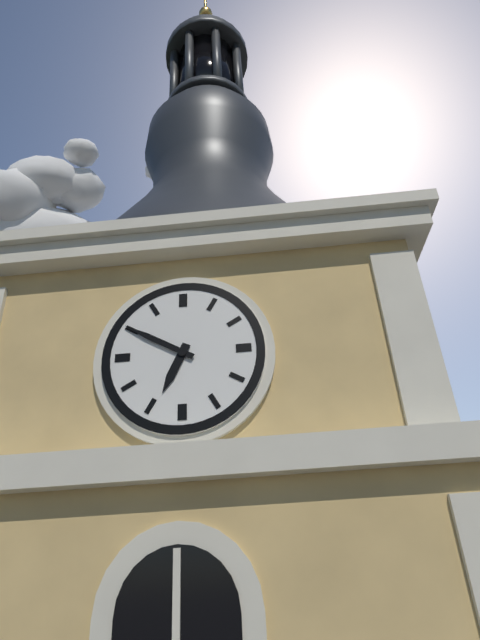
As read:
6:50
